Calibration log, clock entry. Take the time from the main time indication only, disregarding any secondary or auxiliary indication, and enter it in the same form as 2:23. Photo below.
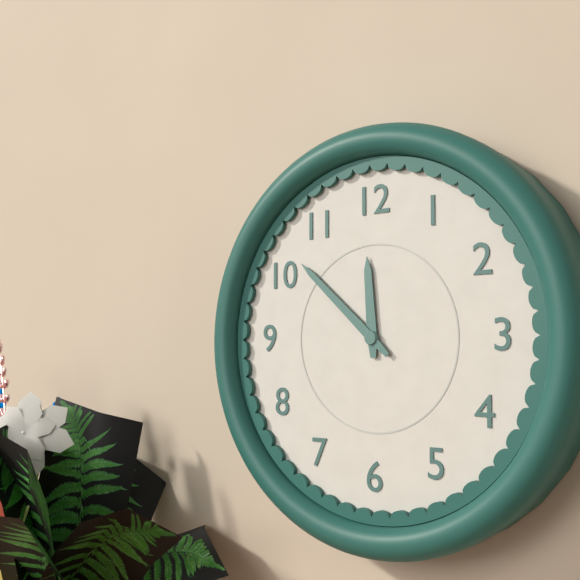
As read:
11:52
